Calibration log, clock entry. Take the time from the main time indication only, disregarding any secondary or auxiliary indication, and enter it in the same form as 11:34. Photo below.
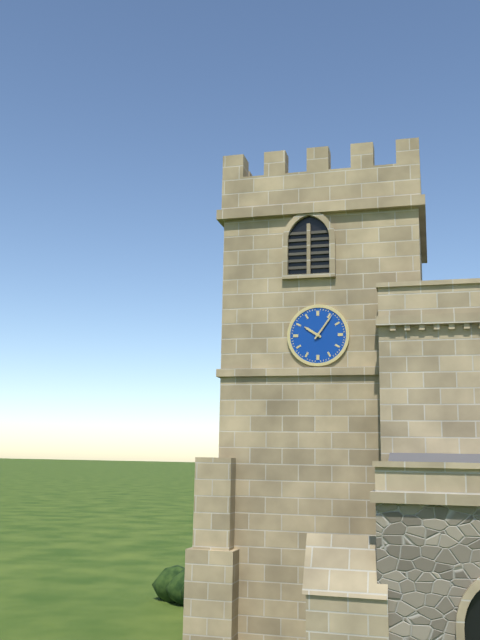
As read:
10:06
